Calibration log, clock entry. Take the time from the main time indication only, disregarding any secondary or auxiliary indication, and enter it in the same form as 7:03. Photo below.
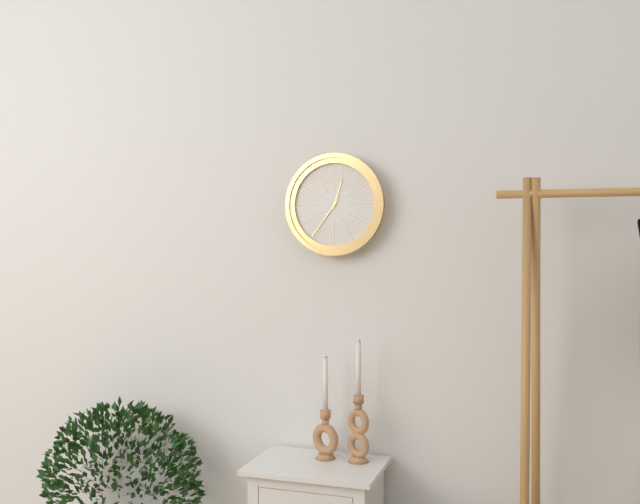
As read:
12:36
